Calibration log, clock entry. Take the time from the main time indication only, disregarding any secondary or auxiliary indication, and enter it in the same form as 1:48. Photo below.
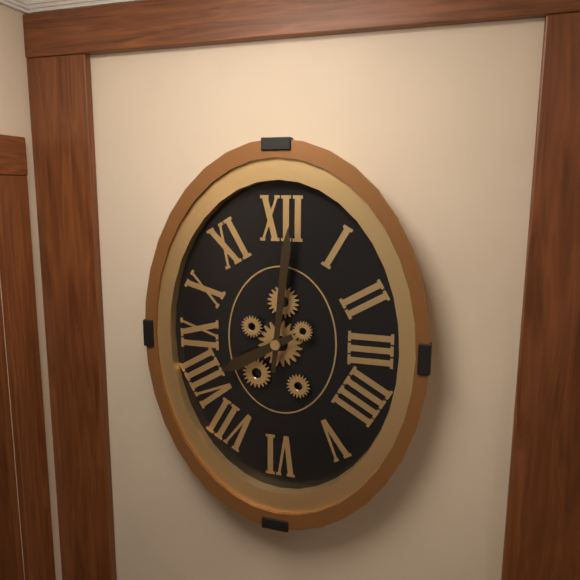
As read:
8:01
